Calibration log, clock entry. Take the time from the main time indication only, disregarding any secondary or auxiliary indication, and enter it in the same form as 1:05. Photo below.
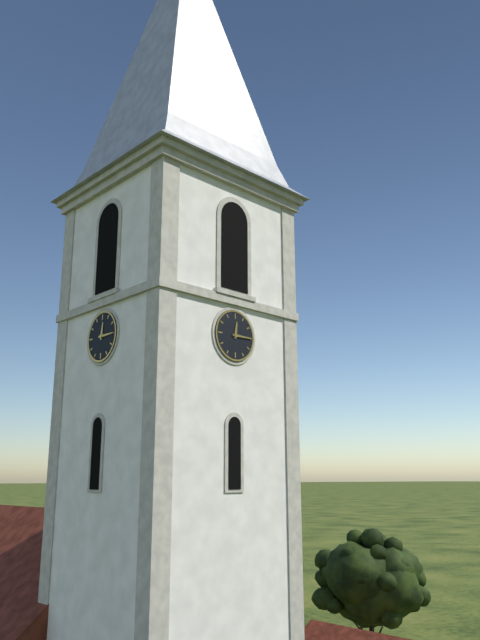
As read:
12:15
